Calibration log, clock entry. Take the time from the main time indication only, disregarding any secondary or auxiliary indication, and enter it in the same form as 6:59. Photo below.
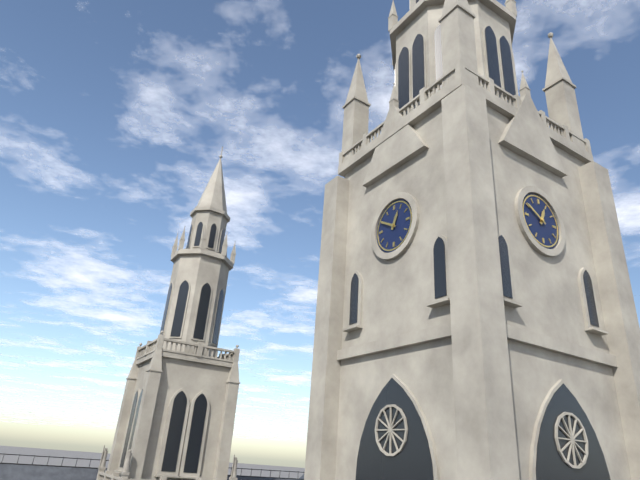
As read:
12:50
